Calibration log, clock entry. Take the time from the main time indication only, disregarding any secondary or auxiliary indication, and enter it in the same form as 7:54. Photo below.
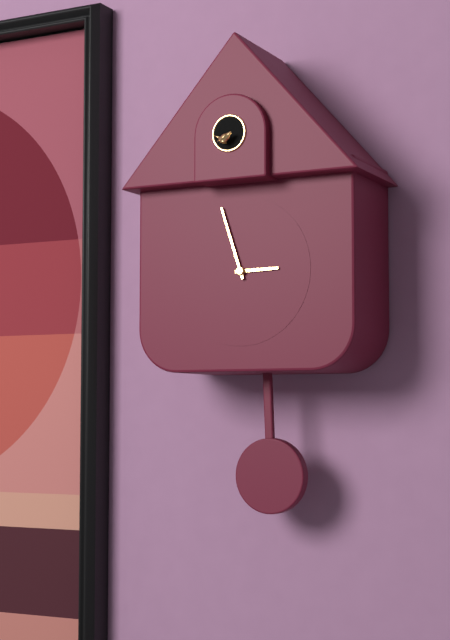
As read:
2:57
